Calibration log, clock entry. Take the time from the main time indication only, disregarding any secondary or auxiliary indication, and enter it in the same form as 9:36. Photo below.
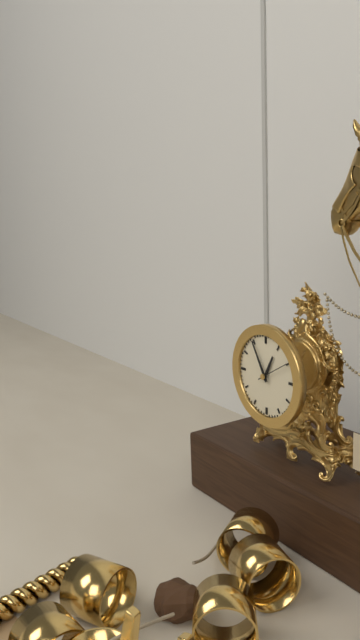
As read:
12:55
